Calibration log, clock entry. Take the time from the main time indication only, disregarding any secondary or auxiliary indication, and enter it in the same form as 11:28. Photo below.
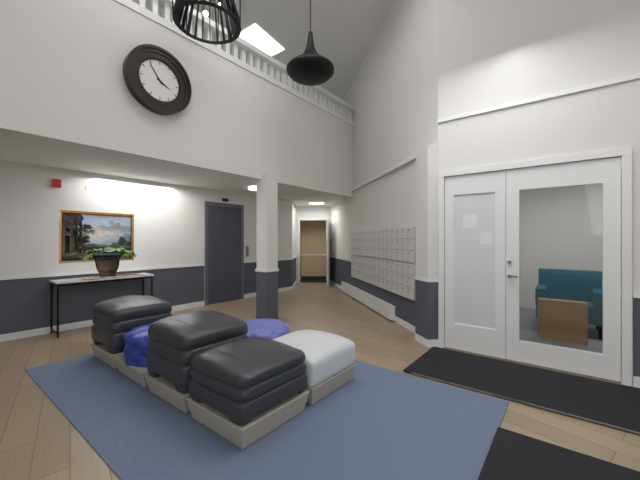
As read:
3:54
